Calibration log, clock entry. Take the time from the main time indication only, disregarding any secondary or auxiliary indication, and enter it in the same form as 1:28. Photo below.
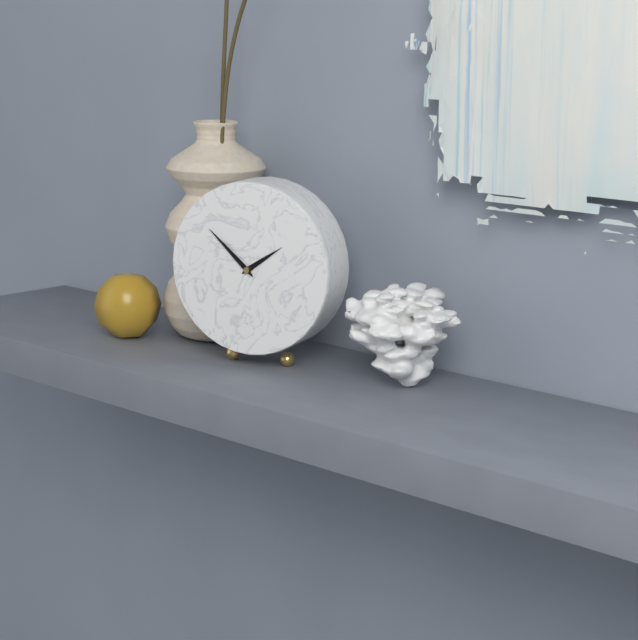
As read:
1:52
